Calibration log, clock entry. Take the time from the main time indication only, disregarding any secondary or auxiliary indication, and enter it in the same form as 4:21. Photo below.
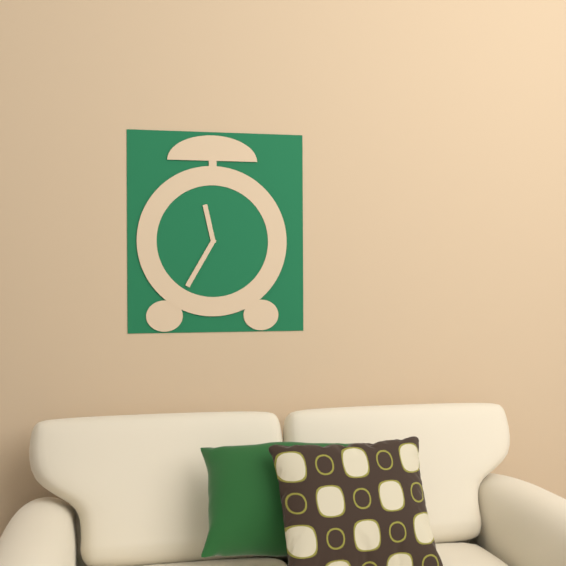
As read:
11:35
